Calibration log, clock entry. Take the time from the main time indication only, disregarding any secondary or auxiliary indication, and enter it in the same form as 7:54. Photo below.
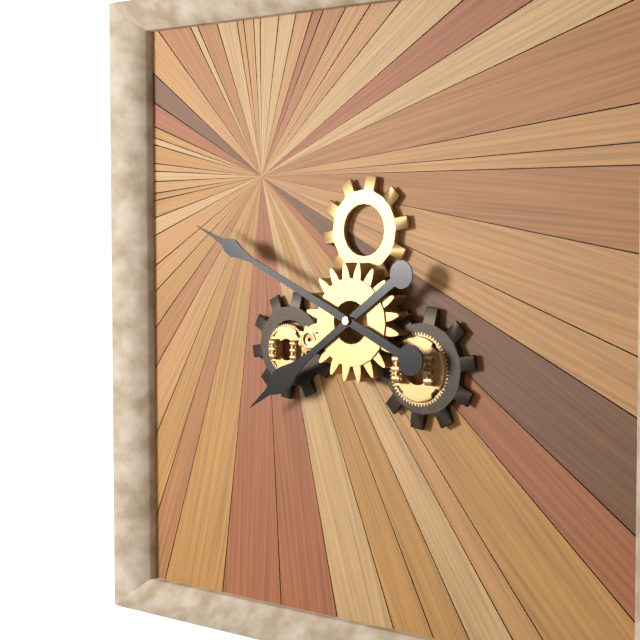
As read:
7:49
